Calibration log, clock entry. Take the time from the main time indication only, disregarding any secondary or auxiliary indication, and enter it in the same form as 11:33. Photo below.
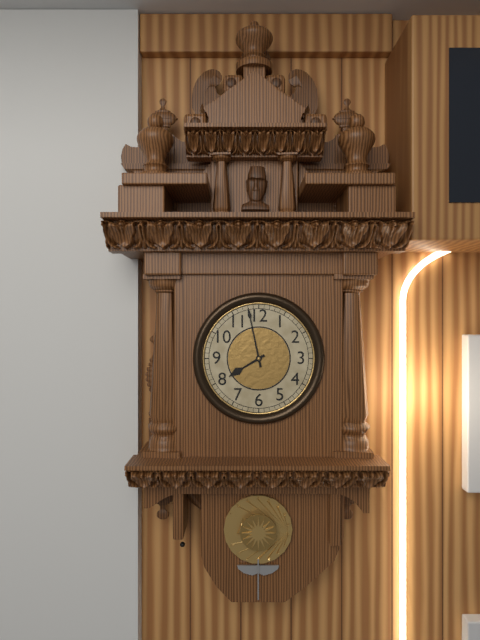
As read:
7:58
